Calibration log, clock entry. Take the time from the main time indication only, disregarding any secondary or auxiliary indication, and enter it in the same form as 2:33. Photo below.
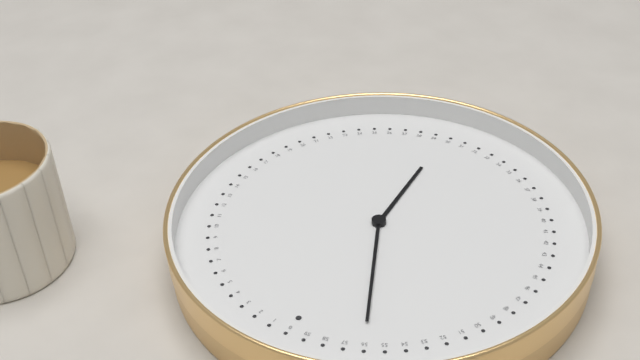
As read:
5:56
